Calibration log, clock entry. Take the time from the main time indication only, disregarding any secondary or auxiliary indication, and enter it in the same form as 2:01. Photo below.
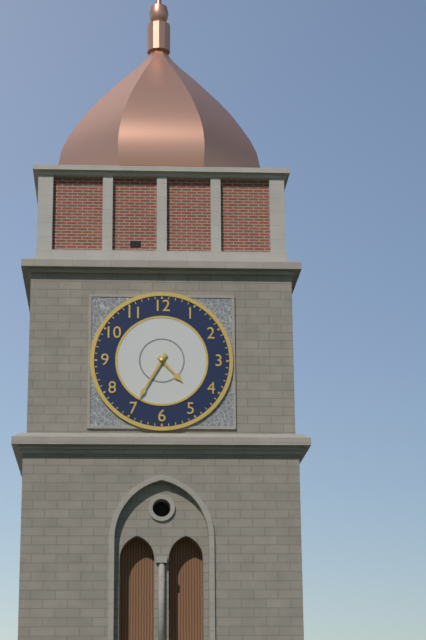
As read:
4:35
